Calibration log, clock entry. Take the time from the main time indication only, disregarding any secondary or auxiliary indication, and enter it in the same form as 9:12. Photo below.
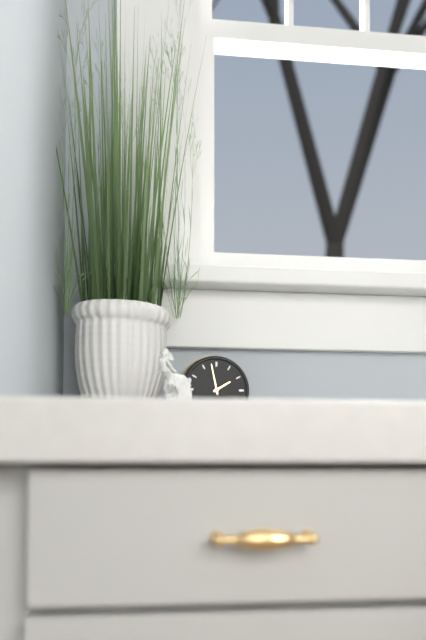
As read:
1:58
